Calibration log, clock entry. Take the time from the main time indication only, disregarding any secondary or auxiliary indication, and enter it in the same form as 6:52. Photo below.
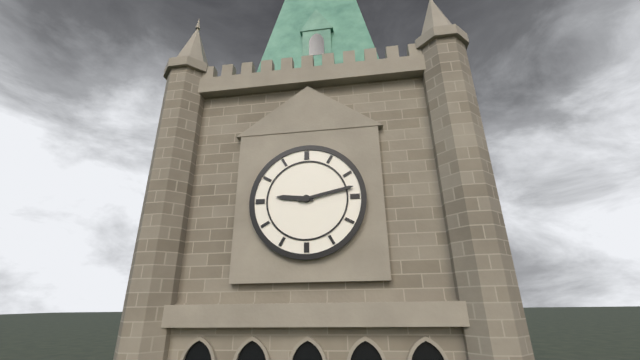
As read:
9:13
